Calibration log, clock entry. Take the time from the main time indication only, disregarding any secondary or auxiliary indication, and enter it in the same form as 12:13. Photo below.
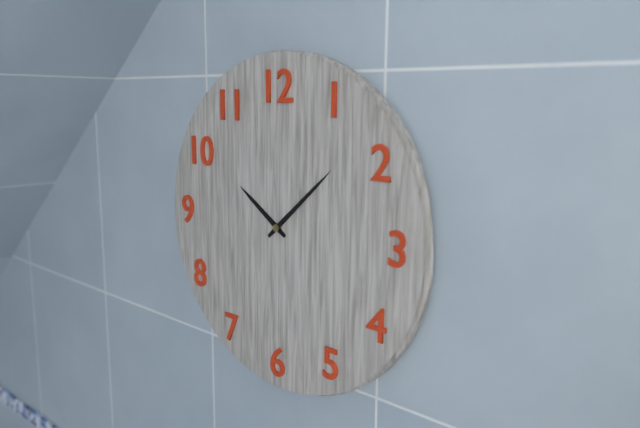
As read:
10:08
